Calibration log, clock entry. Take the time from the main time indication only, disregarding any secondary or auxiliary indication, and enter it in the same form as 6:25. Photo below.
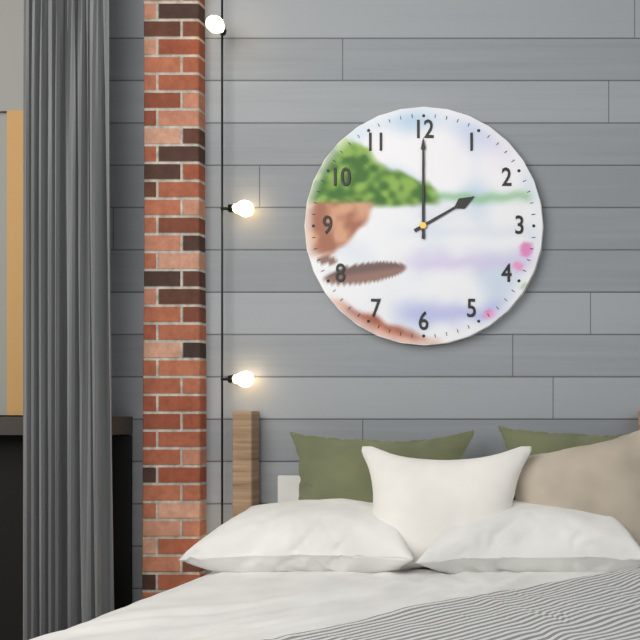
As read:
2:00
